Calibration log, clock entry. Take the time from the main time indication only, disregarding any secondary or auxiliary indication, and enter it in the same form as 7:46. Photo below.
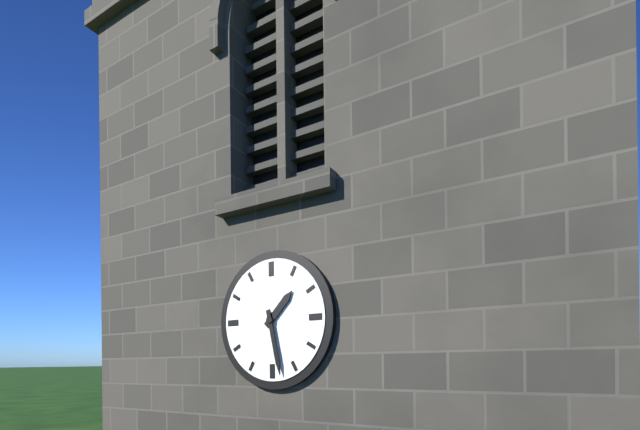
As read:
1:28
